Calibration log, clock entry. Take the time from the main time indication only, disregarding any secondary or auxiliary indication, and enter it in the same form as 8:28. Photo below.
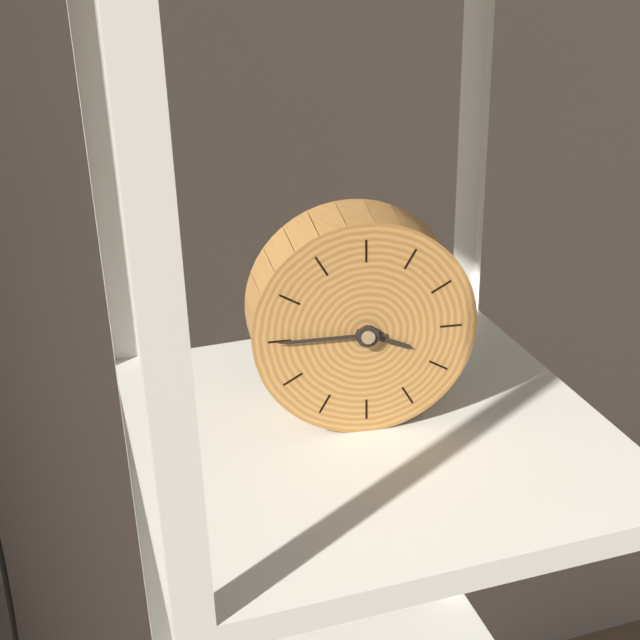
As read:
3:45
